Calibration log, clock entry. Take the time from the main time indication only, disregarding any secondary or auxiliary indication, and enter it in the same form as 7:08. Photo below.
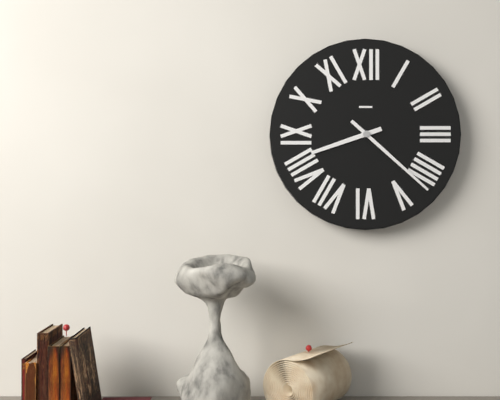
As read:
8:22
